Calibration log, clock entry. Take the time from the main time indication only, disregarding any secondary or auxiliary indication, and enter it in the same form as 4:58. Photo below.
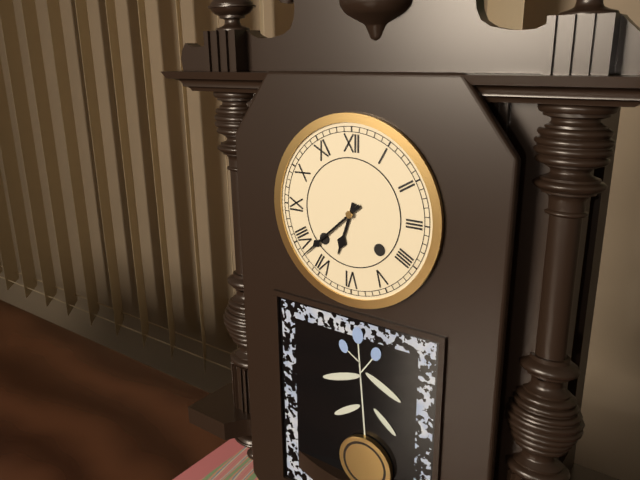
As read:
6:38
